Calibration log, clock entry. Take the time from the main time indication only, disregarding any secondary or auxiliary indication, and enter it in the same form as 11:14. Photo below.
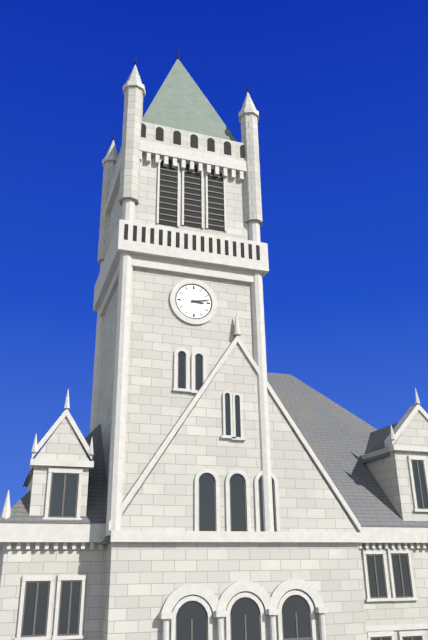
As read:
3:13
